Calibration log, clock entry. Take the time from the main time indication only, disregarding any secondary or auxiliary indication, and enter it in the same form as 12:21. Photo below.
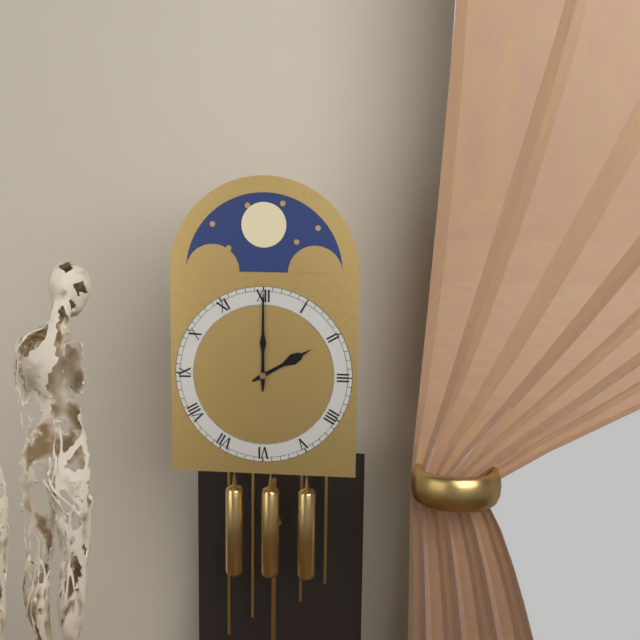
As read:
2:00
